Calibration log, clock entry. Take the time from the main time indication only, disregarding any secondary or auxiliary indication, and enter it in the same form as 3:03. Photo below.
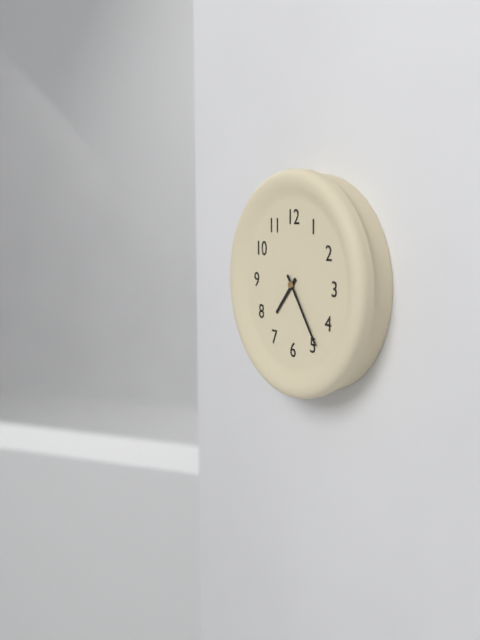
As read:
7:24
